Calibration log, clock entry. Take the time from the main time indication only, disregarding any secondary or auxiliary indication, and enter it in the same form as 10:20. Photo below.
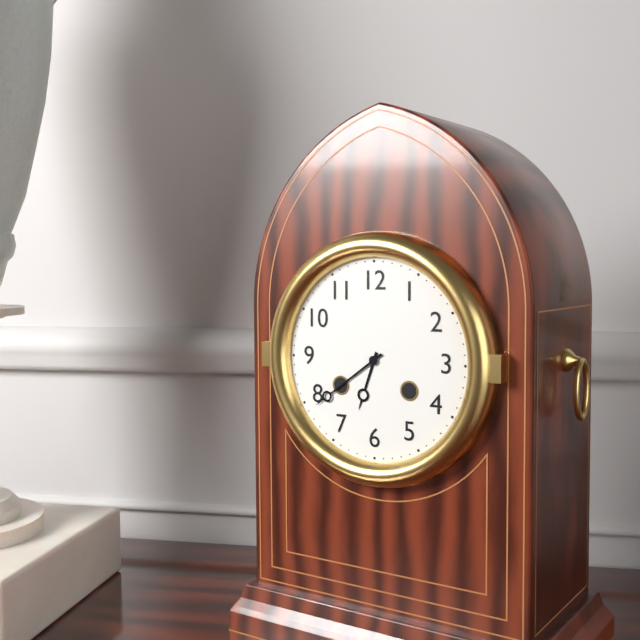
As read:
6:39
